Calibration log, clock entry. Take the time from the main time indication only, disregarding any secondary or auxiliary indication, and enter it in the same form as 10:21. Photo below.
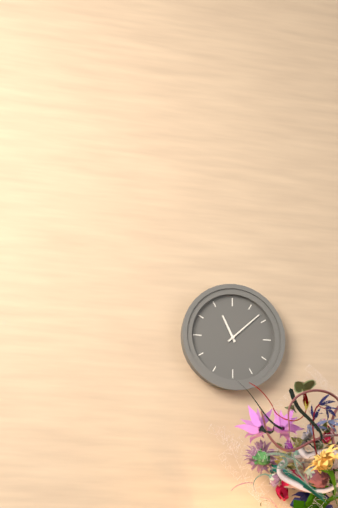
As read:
11:08
